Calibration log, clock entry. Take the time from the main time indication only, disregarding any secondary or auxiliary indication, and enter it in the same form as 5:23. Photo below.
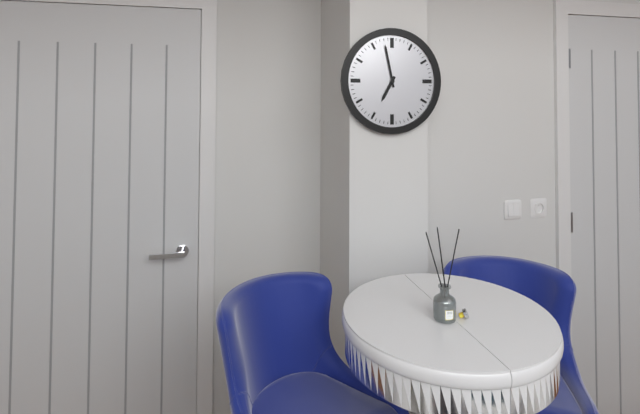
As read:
6:58
